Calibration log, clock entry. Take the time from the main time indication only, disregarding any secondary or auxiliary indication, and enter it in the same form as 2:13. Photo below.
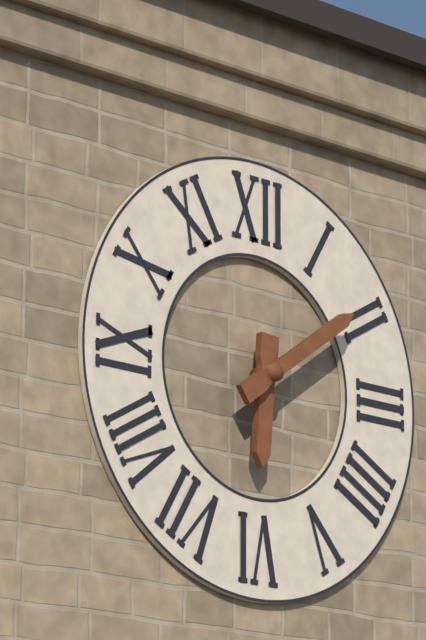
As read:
6:09
